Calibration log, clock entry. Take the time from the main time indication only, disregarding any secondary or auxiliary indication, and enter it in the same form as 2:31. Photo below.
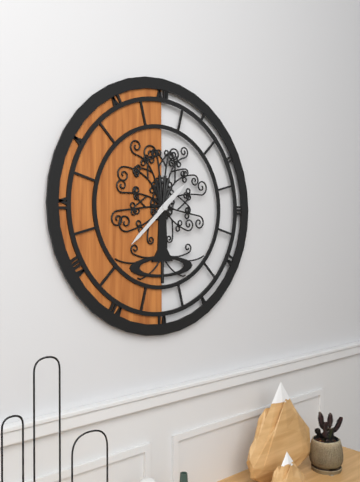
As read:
1:38
